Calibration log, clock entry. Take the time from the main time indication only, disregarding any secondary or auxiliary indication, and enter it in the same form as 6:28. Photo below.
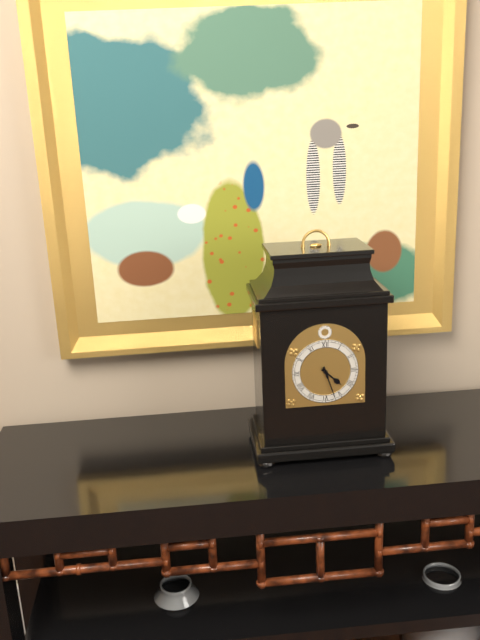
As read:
4:27
